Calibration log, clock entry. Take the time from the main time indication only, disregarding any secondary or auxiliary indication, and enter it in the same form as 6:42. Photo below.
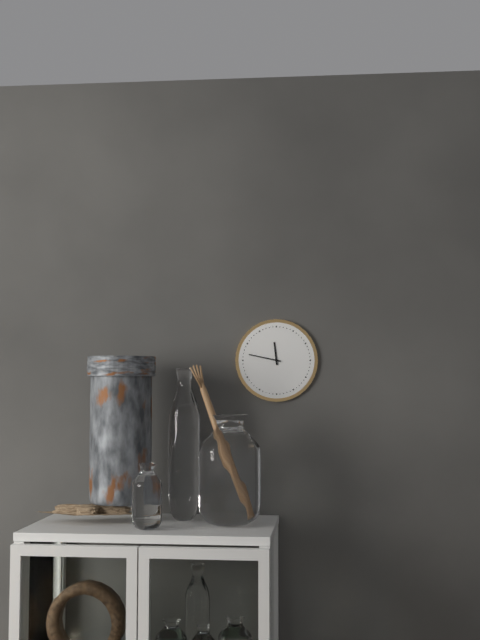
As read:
11:47
